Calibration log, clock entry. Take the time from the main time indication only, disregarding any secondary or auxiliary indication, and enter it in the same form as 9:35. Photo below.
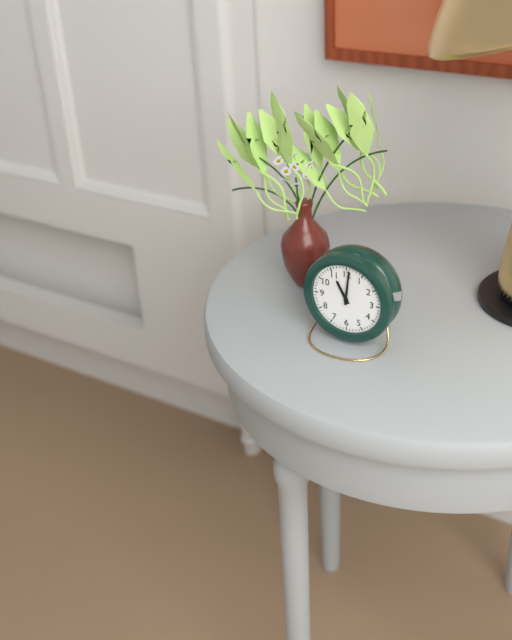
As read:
11:01
